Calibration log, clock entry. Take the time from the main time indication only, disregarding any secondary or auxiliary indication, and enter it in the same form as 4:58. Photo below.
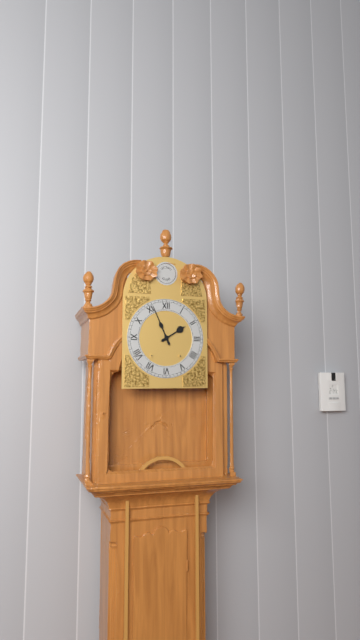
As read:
1:56
